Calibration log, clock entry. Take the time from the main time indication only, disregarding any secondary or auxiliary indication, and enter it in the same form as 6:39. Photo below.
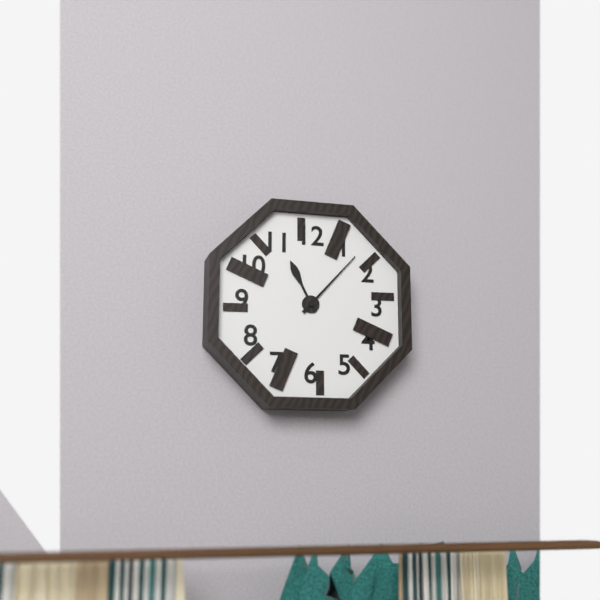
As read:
11:07
